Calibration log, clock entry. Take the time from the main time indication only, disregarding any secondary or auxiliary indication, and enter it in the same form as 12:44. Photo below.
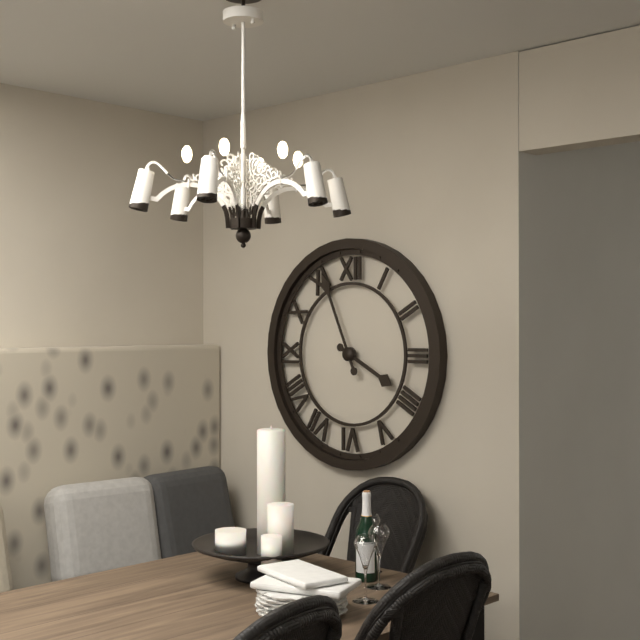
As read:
3:56
